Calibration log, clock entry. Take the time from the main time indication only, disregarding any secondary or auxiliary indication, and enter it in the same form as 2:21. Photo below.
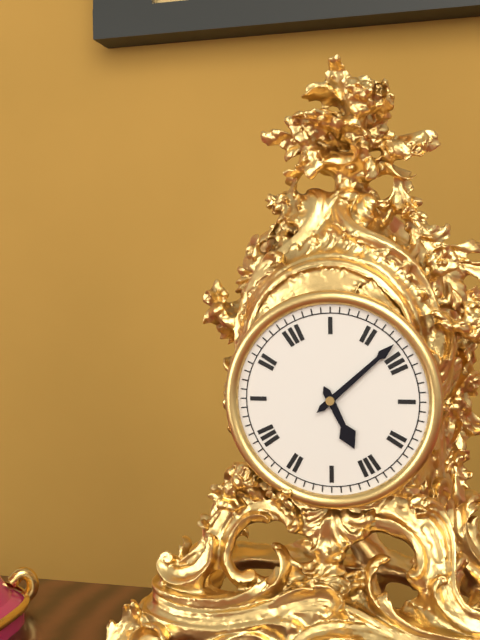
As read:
5:08
